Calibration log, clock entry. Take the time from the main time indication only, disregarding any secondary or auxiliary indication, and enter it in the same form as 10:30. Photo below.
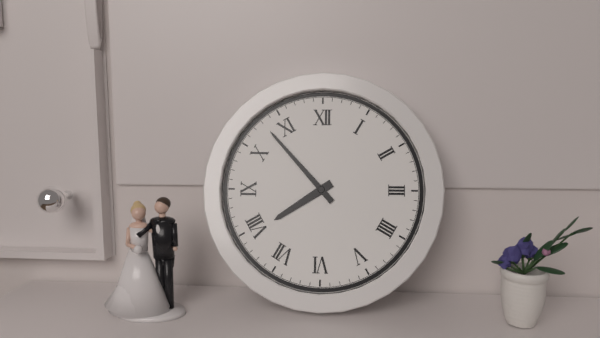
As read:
7:53
